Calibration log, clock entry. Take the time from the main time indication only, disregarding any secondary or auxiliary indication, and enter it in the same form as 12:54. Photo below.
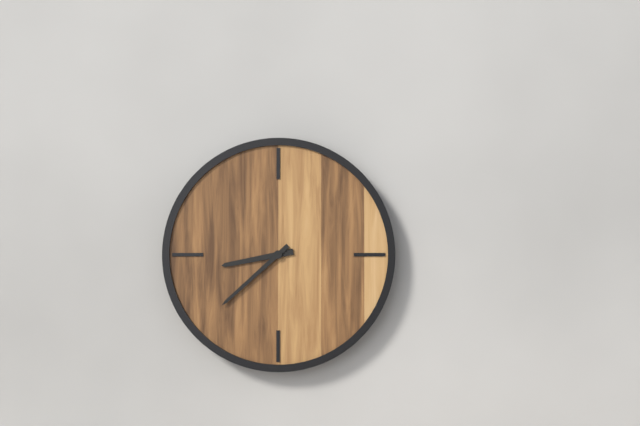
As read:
8:38
